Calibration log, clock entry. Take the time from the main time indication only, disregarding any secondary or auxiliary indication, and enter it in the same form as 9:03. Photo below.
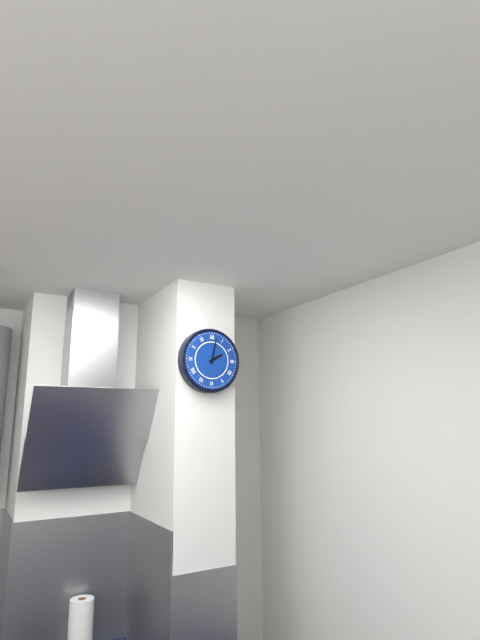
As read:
2:02
